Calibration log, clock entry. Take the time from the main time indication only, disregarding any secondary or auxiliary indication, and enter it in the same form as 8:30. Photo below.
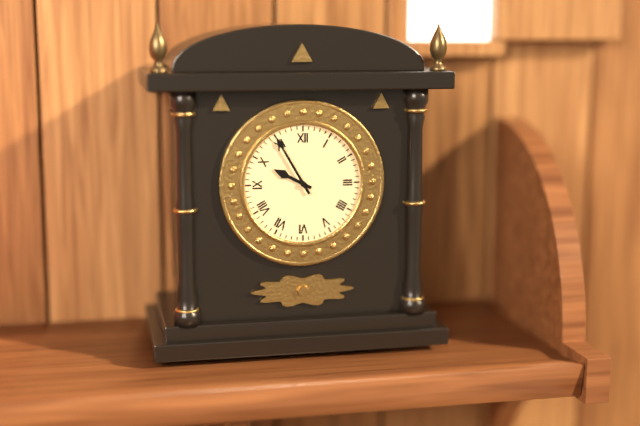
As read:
9:55
